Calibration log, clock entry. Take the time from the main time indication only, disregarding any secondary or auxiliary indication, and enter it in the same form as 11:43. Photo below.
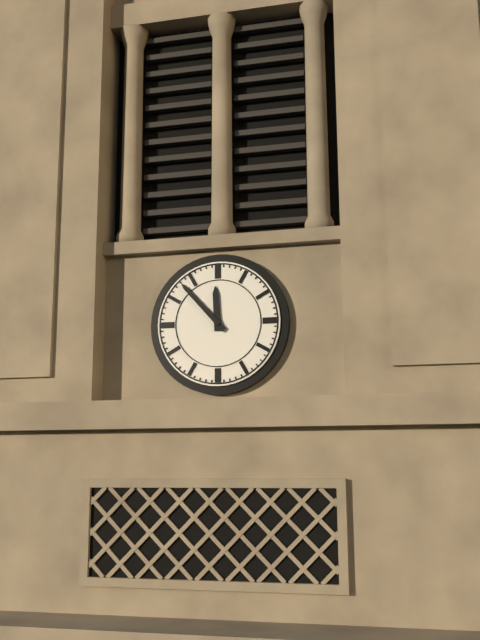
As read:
11:53
